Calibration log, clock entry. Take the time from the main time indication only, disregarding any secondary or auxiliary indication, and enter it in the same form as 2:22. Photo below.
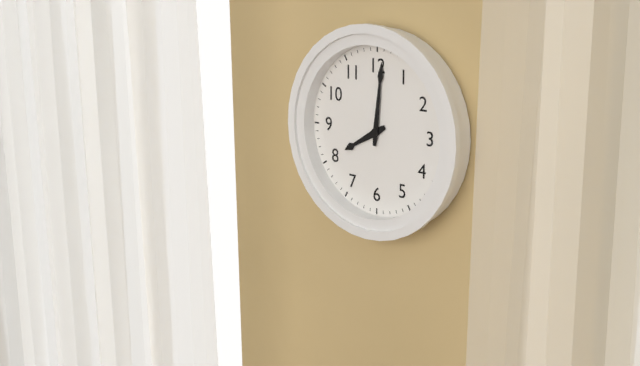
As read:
8:01
